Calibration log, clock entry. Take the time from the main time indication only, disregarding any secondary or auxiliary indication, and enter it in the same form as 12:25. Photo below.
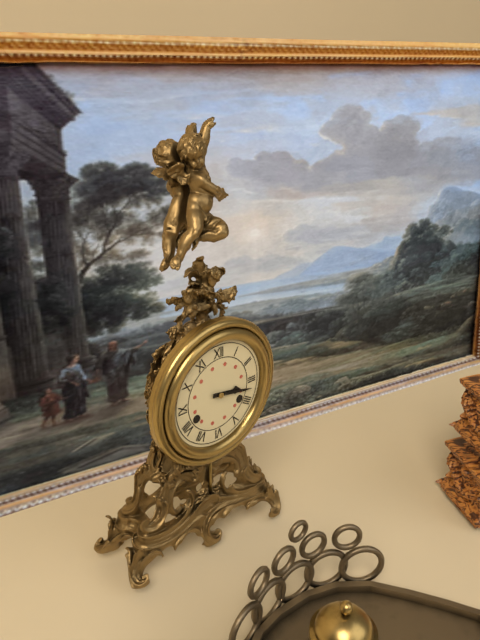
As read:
3:17
